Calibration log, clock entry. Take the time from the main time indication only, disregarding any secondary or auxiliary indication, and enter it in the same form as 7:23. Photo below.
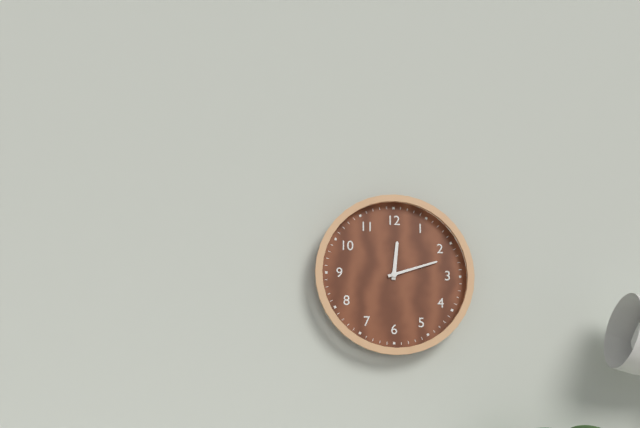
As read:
12:12
